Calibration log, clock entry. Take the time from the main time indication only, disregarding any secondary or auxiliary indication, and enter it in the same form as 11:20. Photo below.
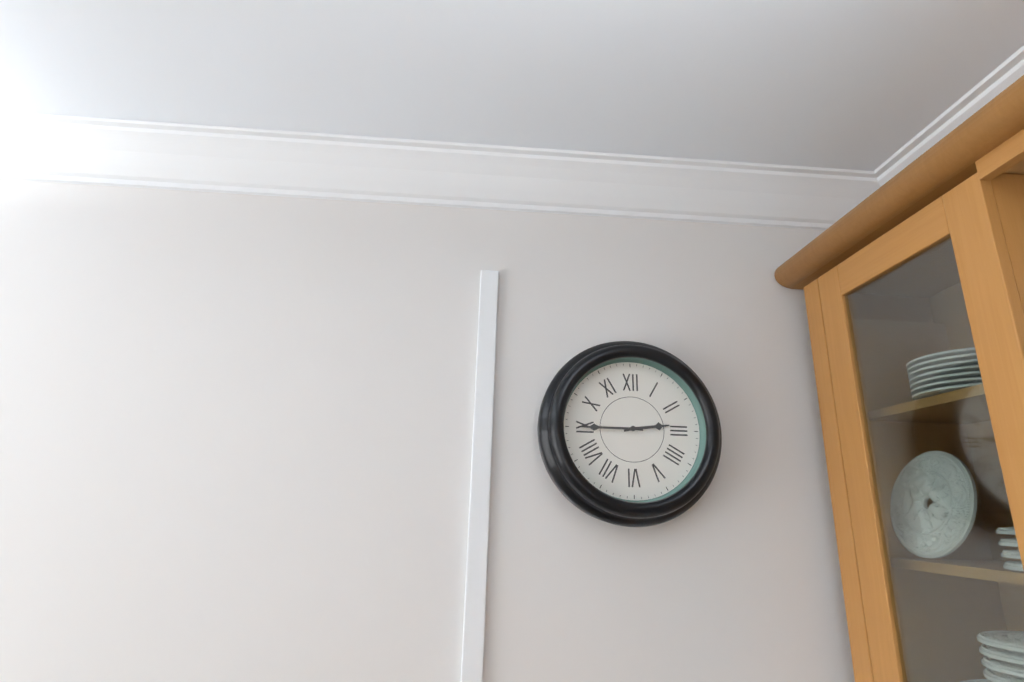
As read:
2:45
